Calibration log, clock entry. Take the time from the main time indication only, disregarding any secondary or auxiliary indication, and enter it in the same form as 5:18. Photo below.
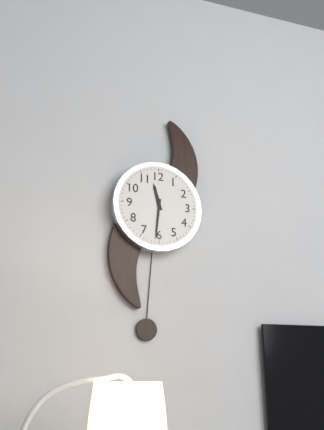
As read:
11:31
